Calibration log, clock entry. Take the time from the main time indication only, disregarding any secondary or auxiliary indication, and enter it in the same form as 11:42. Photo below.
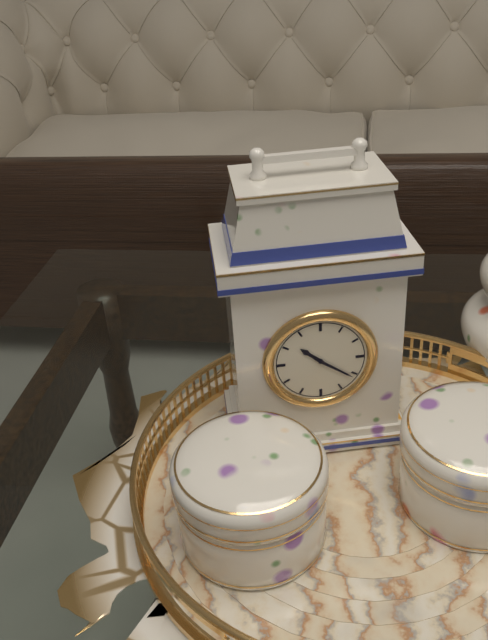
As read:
10:21
